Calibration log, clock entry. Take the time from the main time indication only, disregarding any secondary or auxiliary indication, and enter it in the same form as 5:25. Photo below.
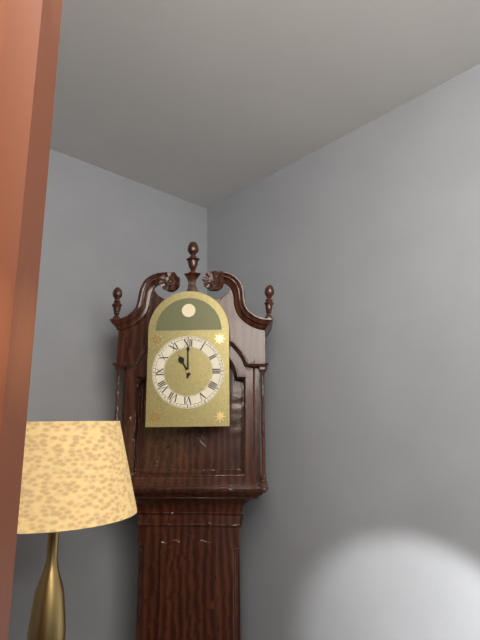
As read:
11:00
